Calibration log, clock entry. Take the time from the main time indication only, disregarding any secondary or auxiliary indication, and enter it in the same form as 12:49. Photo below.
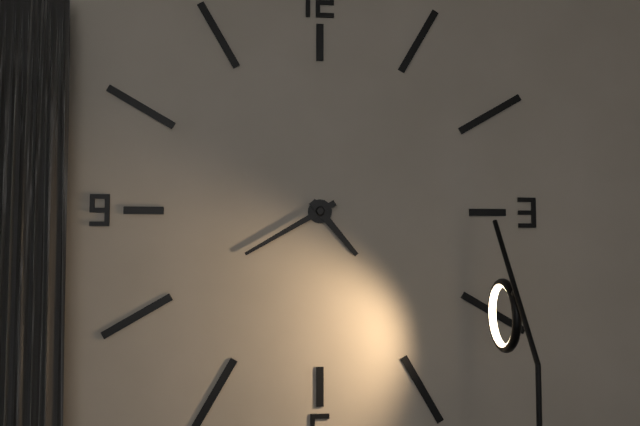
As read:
4:40
